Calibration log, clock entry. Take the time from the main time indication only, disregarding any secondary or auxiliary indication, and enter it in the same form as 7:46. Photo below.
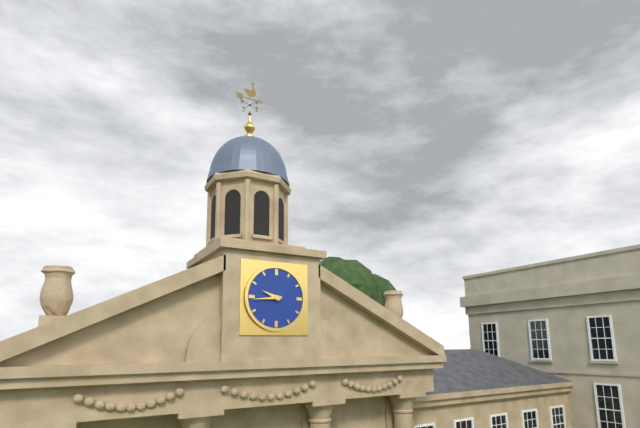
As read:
9:44
